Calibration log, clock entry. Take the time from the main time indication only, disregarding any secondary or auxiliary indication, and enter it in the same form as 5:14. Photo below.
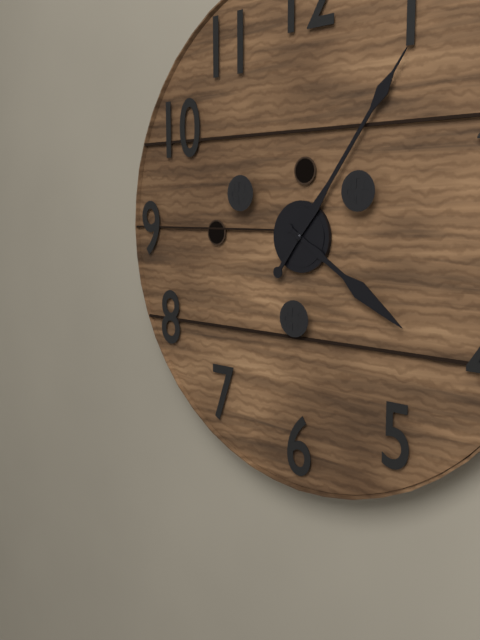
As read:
4:06
